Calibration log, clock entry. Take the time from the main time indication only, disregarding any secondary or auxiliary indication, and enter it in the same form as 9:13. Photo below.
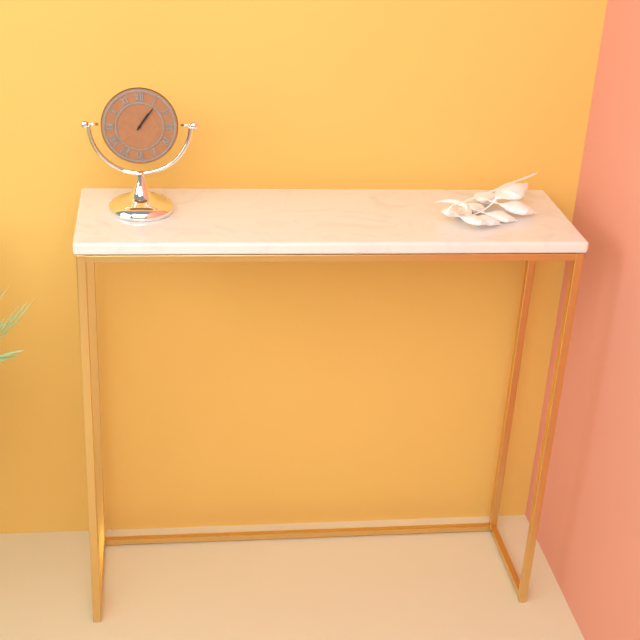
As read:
1:06
